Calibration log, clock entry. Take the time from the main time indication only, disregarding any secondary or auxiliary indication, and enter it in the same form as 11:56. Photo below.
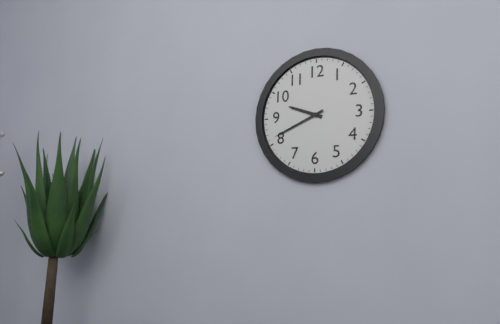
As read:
9:41
